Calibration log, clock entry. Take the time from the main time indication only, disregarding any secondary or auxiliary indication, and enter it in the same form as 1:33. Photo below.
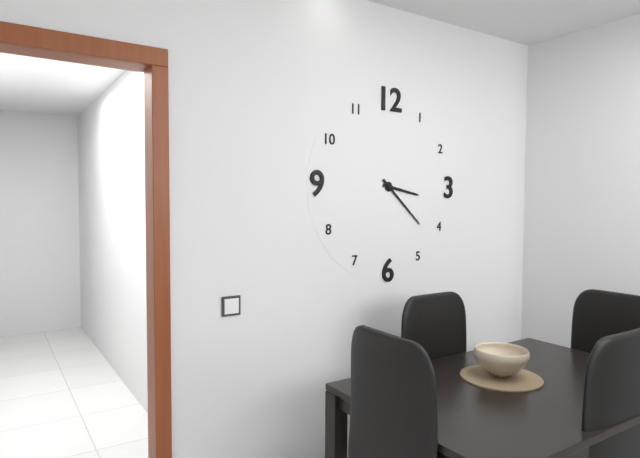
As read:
3:22
